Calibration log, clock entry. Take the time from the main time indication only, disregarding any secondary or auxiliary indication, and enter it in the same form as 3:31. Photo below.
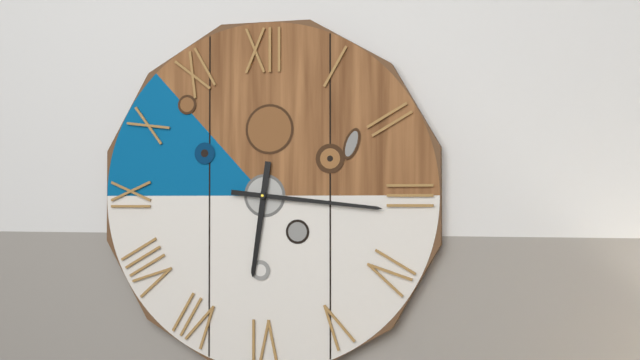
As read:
6:16
